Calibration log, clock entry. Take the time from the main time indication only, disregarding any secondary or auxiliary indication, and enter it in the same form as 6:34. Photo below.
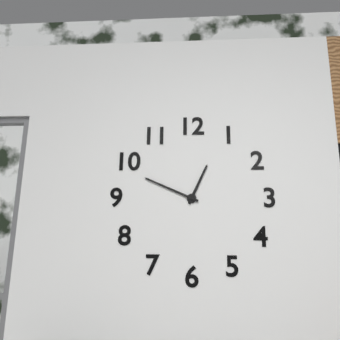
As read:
12:49
